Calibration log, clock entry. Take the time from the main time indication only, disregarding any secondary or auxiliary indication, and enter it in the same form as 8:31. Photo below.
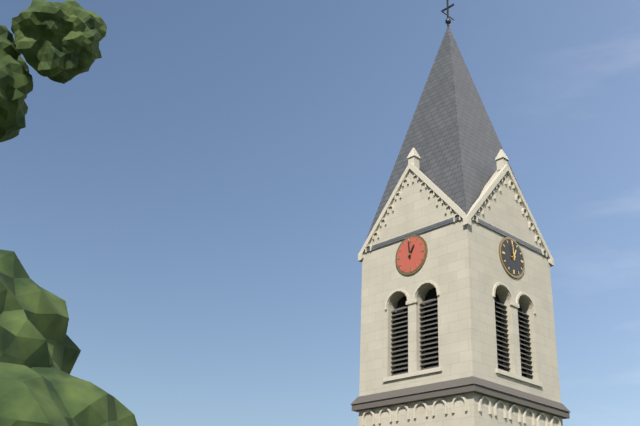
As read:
12:59
